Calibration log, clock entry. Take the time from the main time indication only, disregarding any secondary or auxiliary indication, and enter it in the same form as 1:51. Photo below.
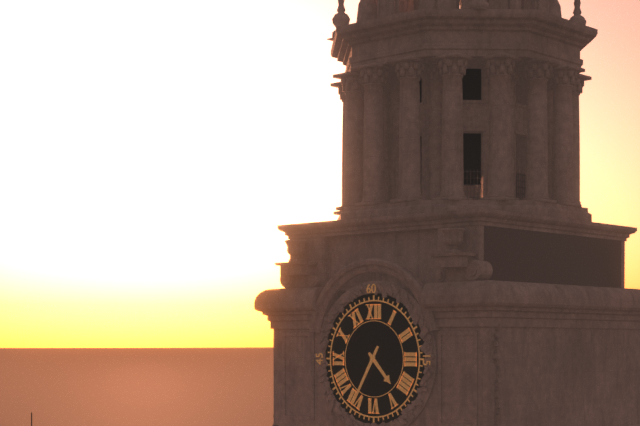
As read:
4:35
